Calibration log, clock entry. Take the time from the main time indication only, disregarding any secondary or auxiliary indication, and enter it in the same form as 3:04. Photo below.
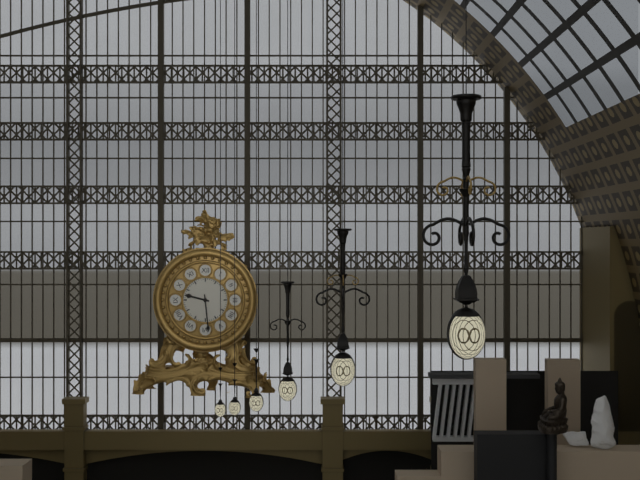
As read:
9:29
